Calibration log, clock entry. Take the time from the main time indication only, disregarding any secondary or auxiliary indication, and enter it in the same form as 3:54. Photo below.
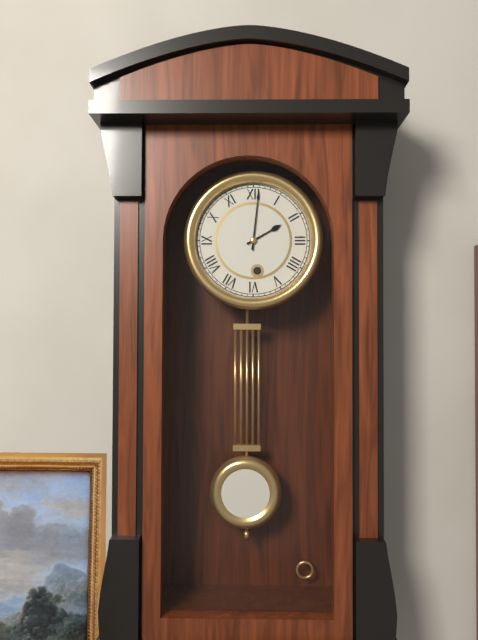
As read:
2:01
